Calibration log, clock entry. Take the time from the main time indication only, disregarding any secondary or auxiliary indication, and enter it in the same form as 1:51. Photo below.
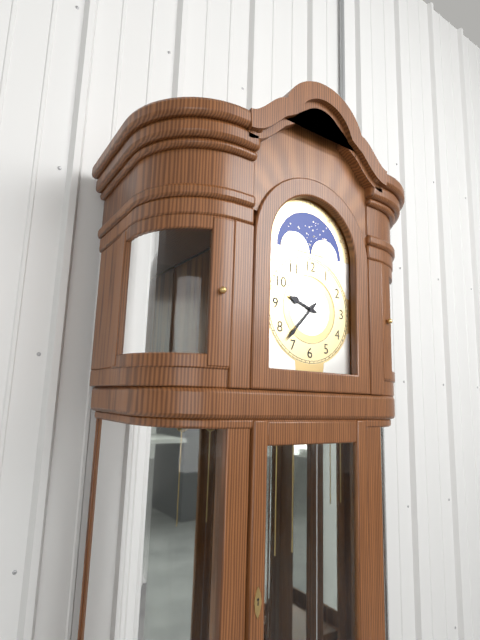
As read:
9:37
